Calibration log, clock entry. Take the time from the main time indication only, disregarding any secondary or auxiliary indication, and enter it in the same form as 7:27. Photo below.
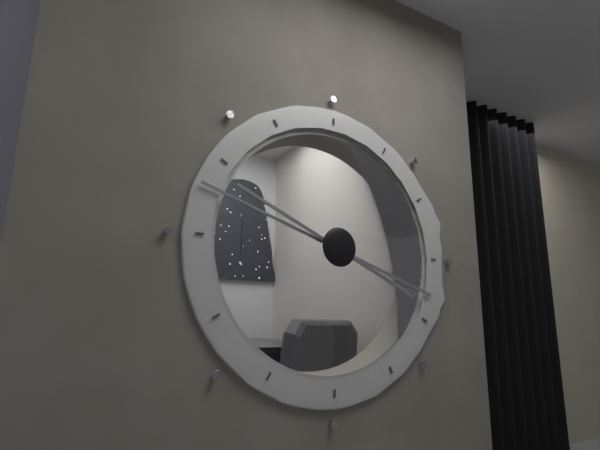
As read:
9:48
